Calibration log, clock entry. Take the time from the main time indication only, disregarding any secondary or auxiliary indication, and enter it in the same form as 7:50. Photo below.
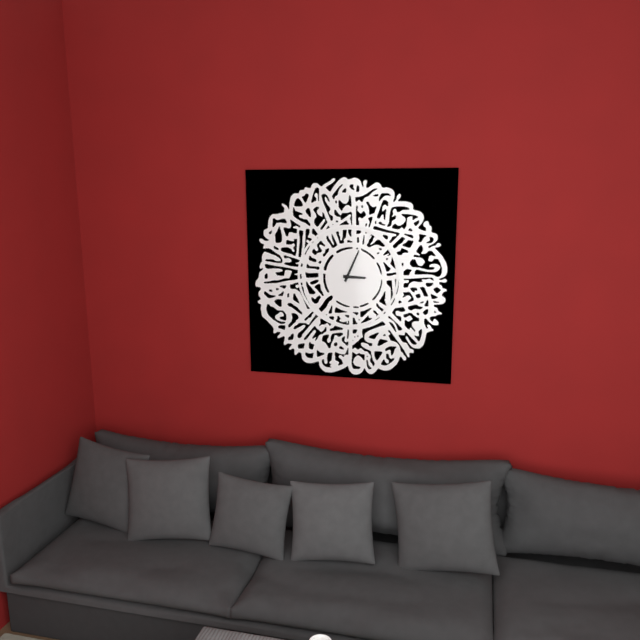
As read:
3:04
